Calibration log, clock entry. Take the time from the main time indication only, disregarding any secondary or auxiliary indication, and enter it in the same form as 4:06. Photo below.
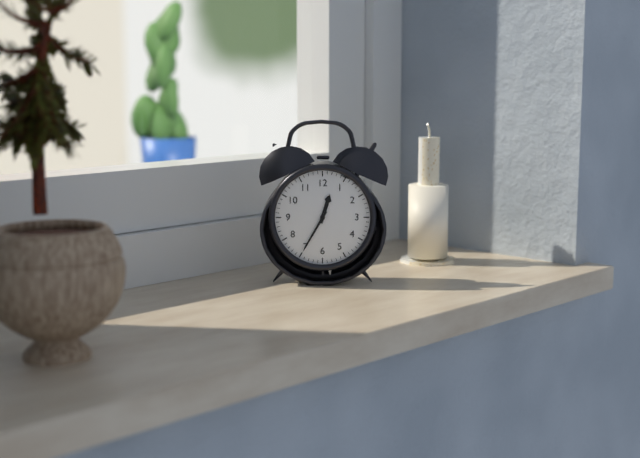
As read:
12:35
